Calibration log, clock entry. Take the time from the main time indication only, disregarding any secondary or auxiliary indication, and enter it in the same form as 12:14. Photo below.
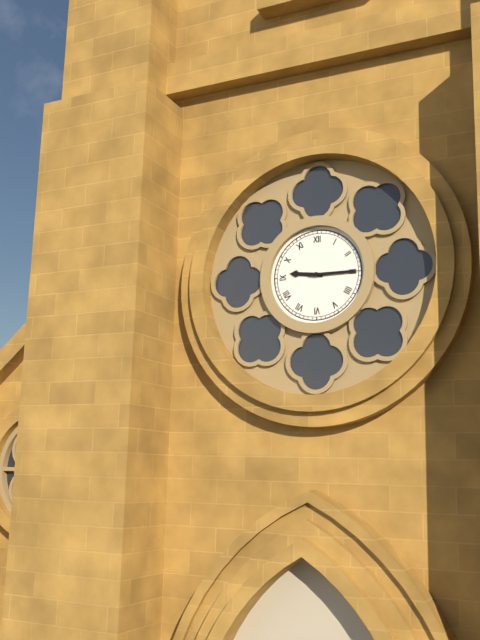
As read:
9:15
